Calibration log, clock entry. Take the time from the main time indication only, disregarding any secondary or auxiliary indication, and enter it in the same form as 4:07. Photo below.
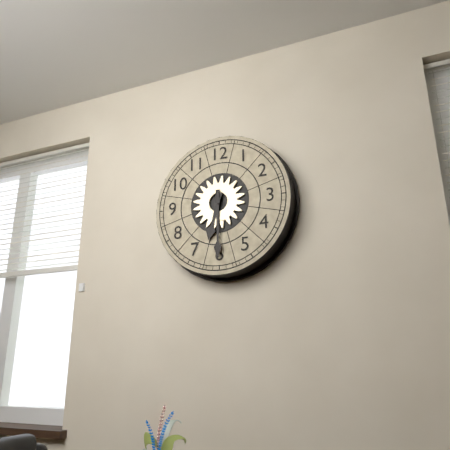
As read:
6:30
